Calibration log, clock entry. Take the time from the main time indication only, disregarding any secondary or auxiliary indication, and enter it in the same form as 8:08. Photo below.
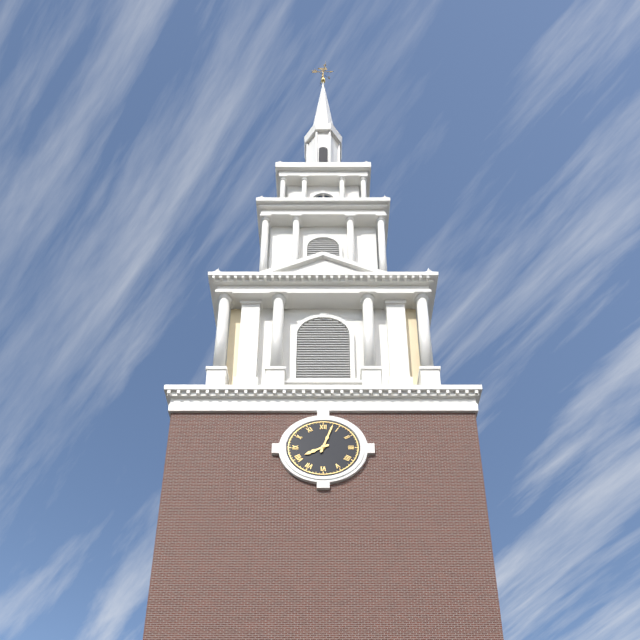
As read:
8:03
